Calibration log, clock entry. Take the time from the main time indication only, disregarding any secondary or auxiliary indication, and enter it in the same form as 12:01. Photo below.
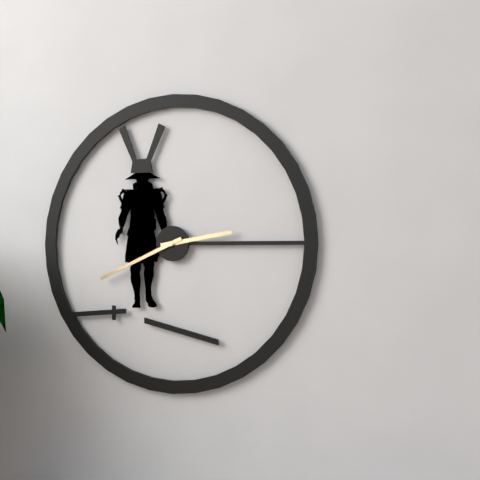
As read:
2:41
